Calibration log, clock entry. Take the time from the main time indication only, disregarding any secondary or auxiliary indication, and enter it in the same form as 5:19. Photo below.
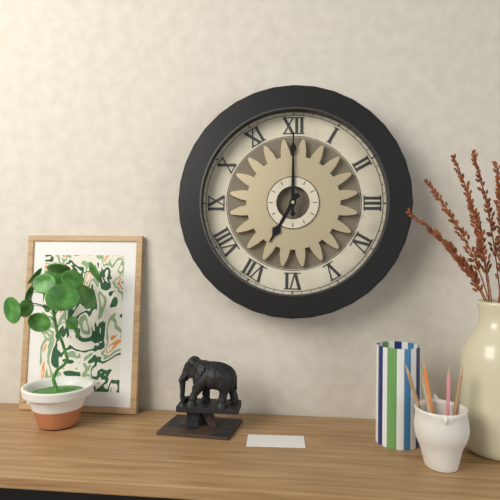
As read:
7:00
